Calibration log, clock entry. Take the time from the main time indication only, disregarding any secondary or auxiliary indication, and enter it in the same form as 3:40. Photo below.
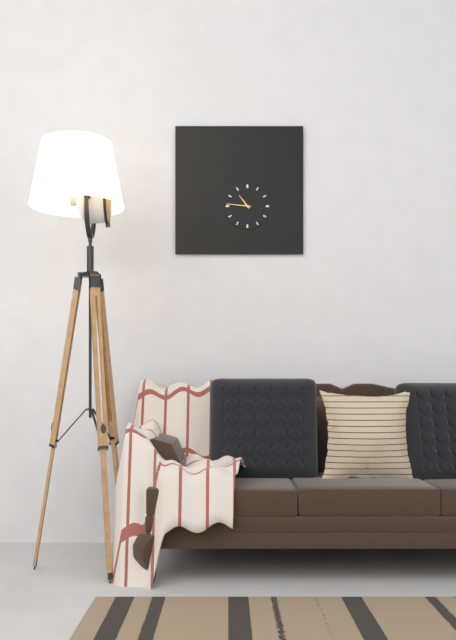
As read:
10:46
